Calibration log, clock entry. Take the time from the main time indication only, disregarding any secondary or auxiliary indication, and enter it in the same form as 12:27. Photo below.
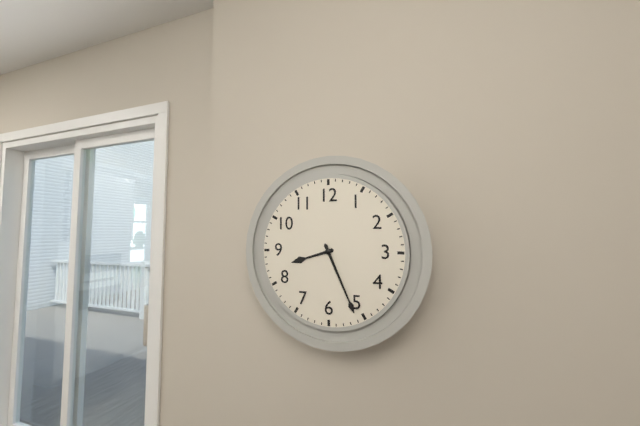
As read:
8:26
